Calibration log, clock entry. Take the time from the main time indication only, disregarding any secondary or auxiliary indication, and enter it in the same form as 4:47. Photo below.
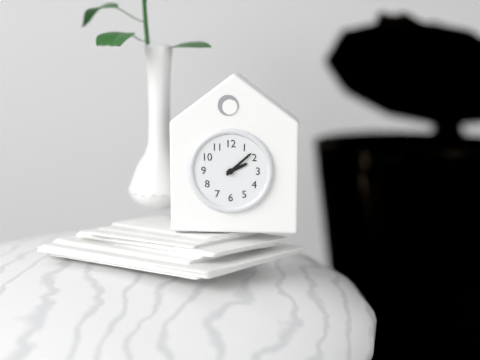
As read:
2:08
